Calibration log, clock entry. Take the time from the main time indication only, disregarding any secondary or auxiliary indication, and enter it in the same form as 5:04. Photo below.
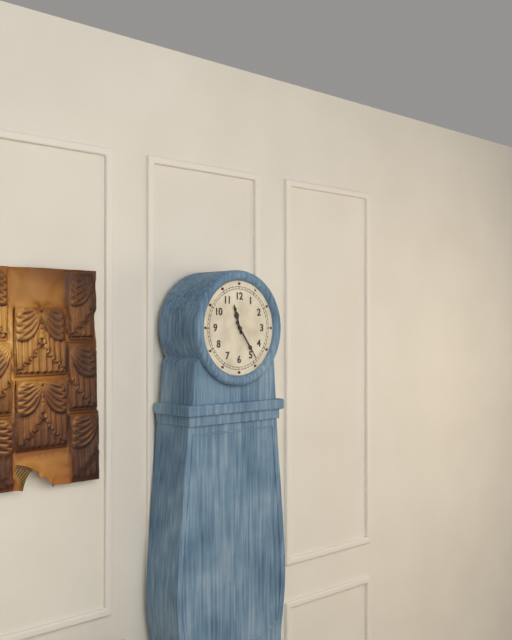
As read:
11:24
